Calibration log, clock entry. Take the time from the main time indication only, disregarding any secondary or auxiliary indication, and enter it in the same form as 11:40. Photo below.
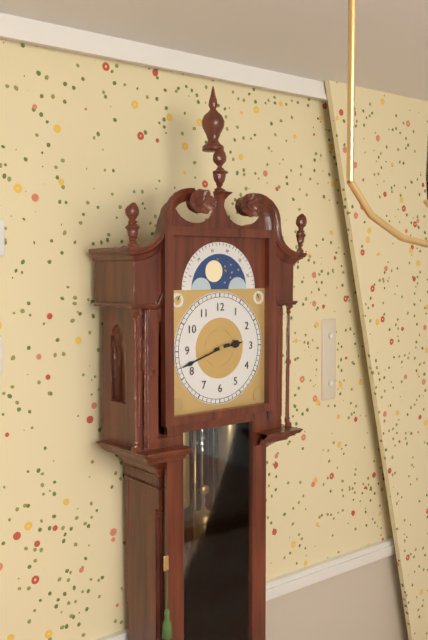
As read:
2:42
